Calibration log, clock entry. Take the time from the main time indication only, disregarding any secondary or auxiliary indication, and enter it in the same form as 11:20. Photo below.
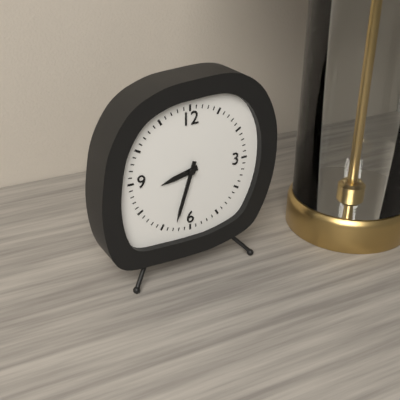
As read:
8:33
